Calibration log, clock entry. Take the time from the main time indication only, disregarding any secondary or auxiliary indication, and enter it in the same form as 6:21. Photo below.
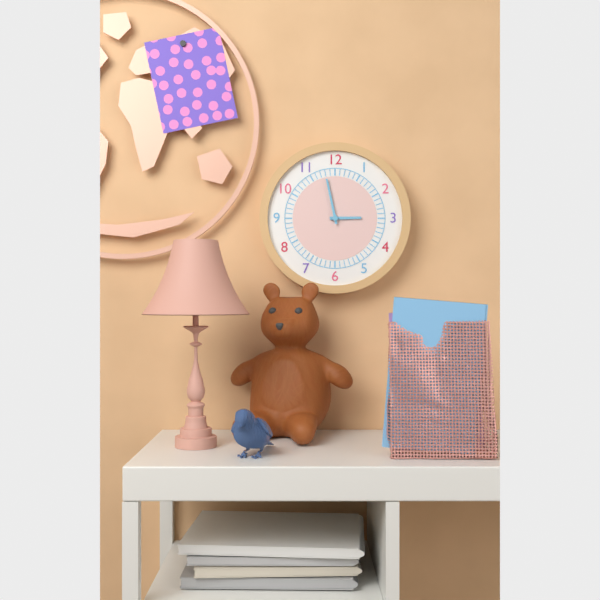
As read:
2:58
